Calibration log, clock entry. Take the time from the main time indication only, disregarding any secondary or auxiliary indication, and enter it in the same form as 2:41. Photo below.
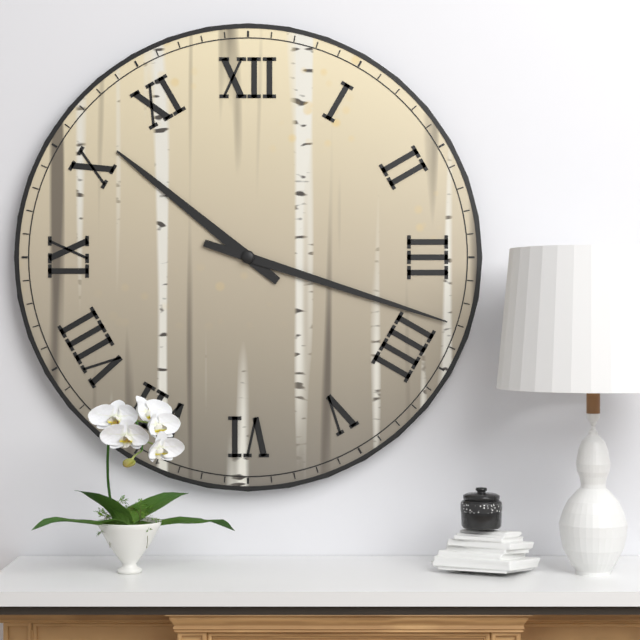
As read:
10:18
